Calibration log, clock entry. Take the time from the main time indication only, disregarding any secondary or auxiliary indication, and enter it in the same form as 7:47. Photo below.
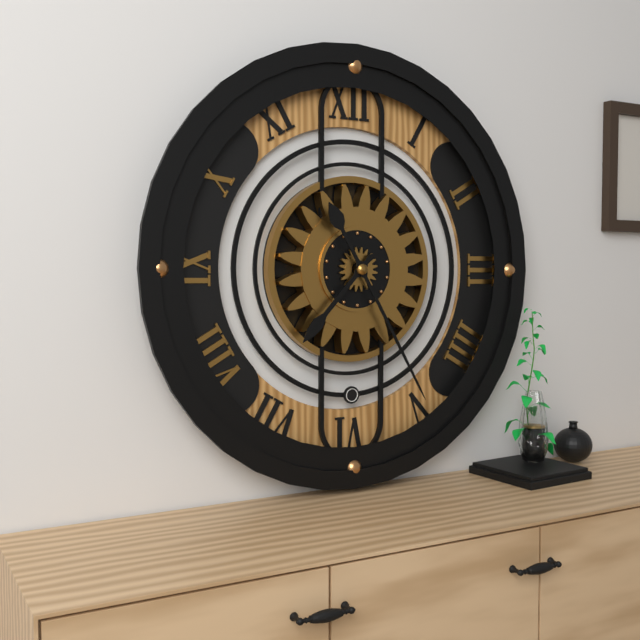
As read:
7:25
